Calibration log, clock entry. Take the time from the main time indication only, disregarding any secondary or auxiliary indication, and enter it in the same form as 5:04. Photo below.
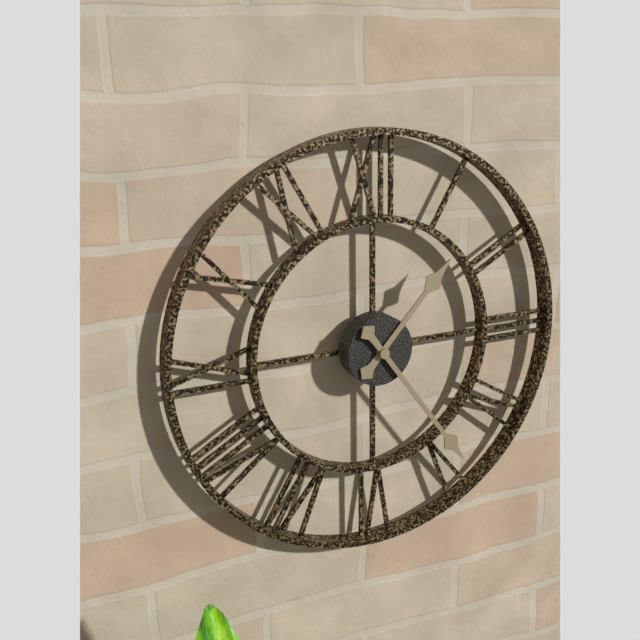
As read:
1:24
